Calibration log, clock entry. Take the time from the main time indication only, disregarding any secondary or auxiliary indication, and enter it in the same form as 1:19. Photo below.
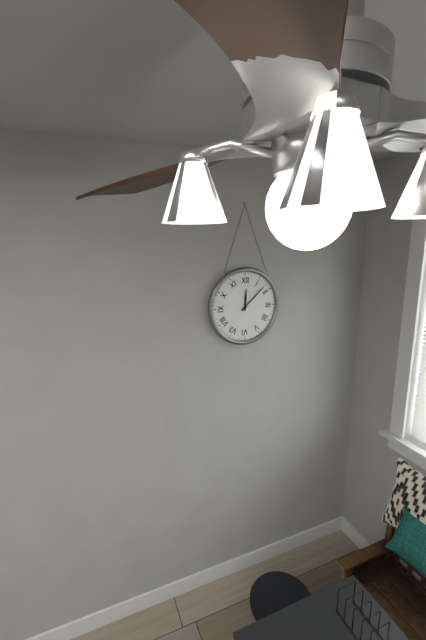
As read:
12:08
